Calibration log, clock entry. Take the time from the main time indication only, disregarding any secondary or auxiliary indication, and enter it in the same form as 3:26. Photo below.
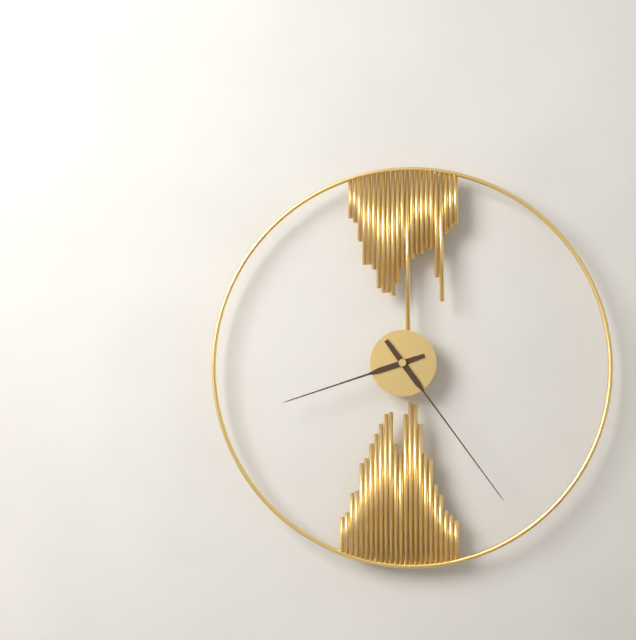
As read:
8:24
